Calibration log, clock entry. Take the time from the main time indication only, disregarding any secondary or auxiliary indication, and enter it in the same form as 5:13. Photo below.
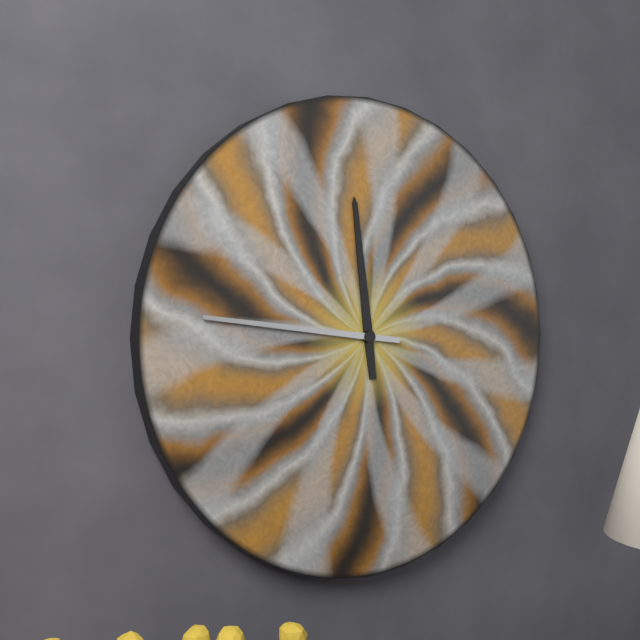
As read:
11:46
